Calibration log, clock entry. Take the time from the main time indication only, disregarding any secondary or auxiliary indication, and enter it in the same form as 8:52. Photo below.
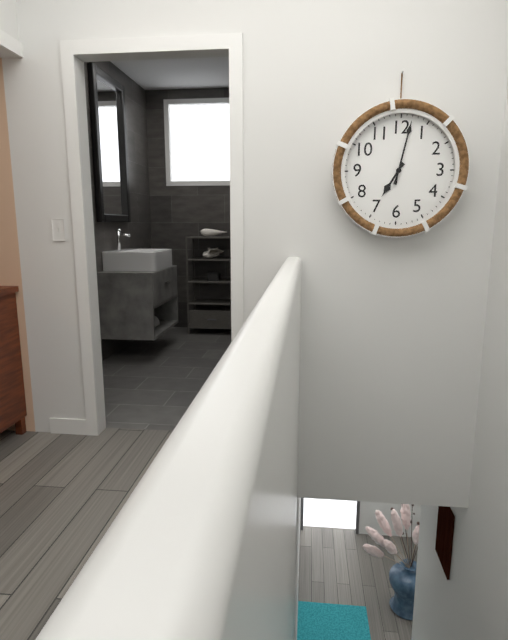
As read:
7:02
